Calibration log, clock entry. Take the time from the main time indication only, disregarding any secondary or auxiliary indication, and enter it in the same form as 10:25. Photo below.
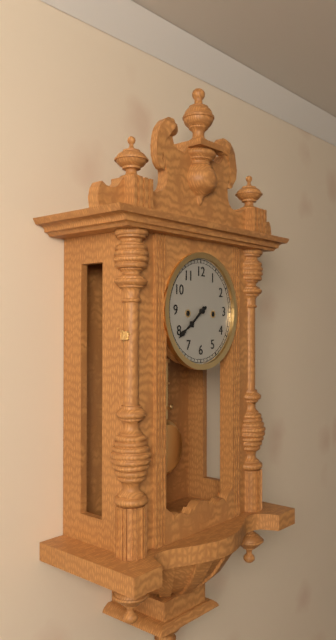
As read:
7:39
